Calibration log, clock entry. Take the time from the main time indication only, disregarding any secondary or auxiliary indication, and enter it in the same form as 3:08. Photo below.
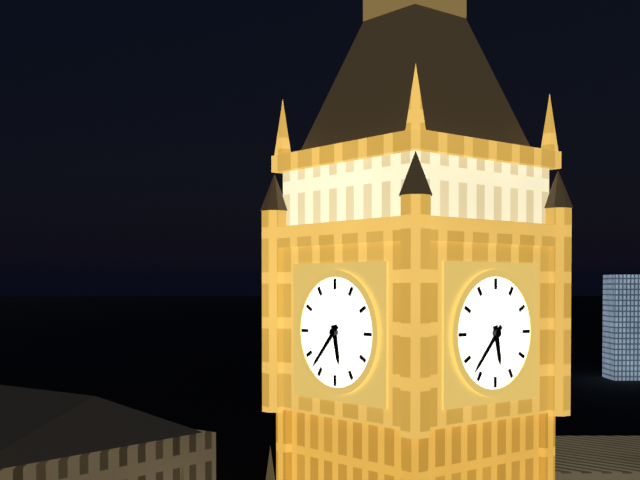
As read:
5:37
